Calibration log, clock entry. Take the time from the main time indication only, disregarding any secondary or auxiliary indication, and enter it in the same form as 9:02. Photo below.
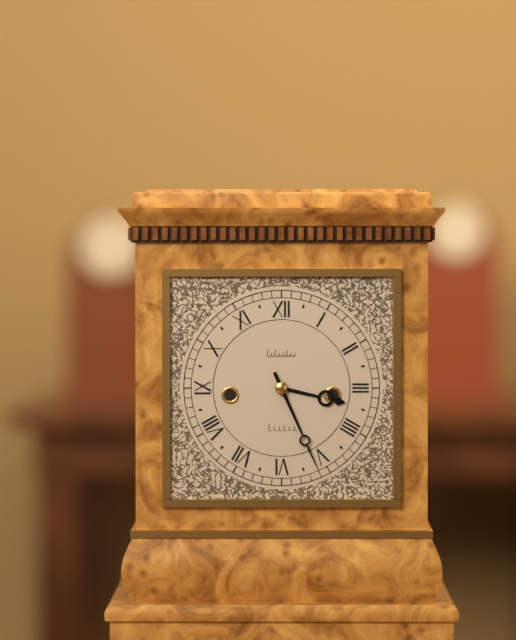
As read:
3:26
